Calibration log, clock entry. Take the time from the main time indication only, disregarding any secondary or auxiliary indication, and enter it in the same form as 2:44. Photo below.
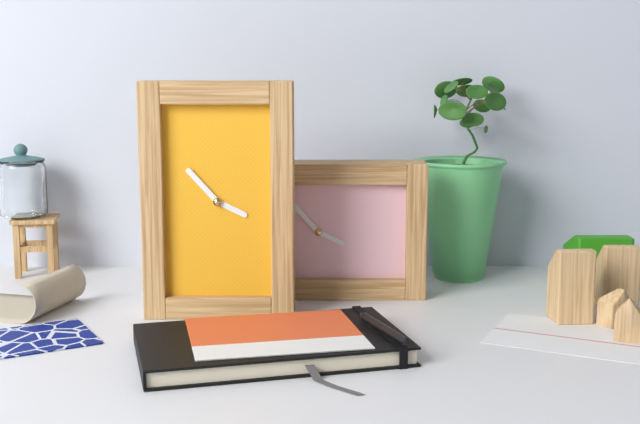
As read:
3:53
